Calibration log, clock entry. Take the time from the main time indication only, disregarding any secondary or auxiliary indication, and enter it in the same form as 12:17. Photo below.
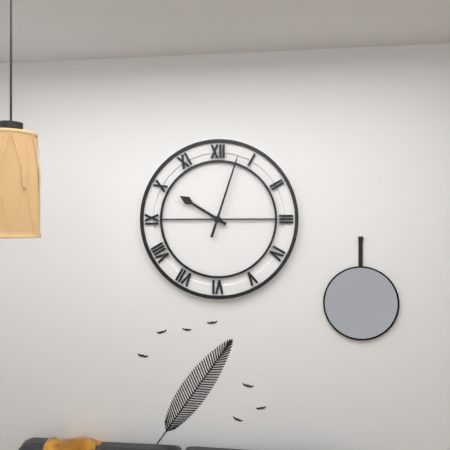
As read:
10:03
